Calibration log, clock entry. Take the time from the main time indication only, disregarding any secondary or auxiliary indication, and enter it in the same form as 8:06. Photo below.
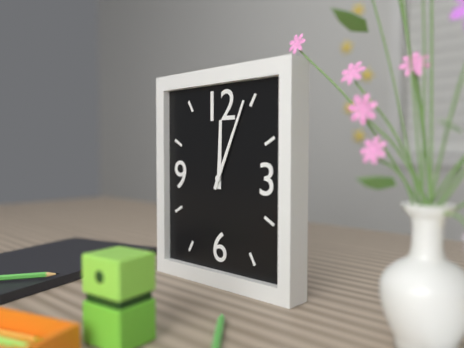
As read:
12:04
